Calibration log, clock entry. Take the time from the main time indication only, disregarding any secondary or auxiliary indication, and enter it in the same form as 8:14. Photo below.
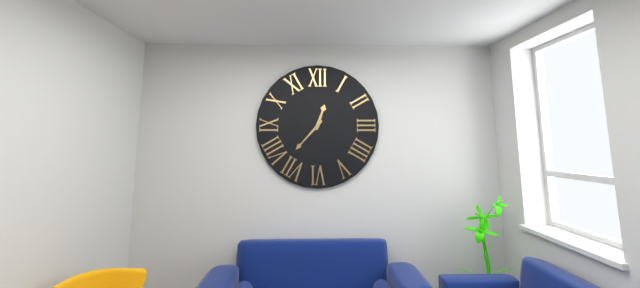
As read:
12:37
